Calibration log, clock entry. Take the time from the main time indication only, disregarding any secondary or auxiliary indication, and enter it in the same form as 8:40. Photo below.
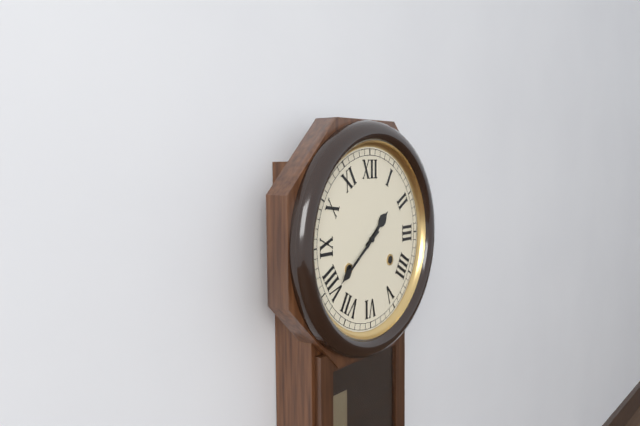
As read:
1:39
